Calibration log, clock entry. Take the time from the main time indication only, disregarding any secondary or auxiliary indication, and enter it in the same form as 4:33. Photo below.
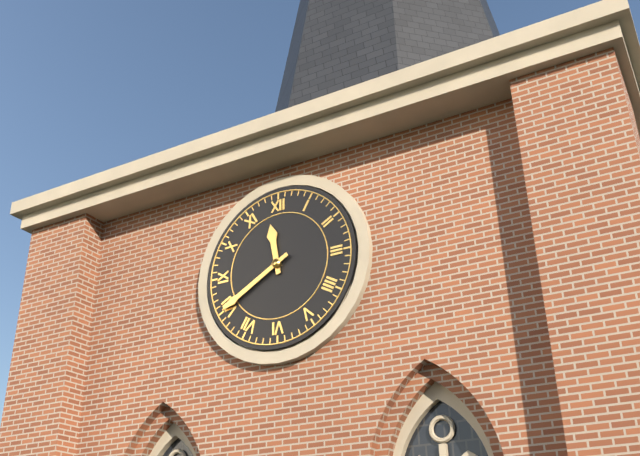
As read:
11:40
